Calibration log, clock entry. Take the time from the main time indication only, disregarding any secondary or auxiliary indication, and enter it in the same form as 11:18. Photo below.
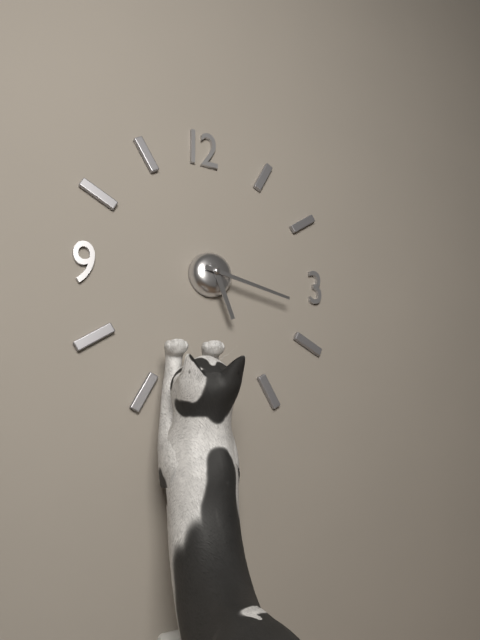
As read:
5:17
